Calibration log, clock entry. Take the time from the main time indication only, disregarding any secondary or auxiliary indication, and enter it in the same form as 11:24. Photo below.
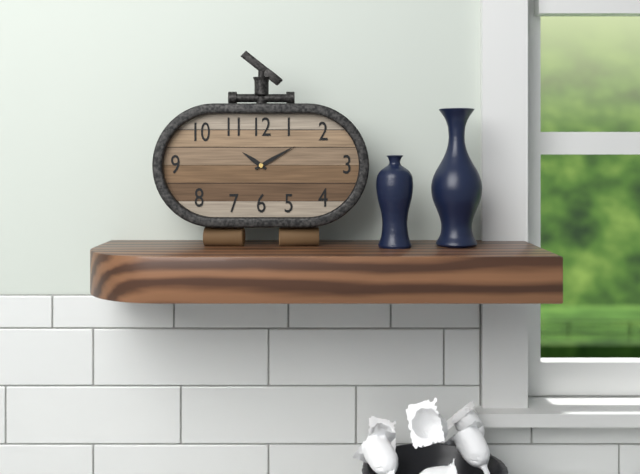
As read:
10:10
